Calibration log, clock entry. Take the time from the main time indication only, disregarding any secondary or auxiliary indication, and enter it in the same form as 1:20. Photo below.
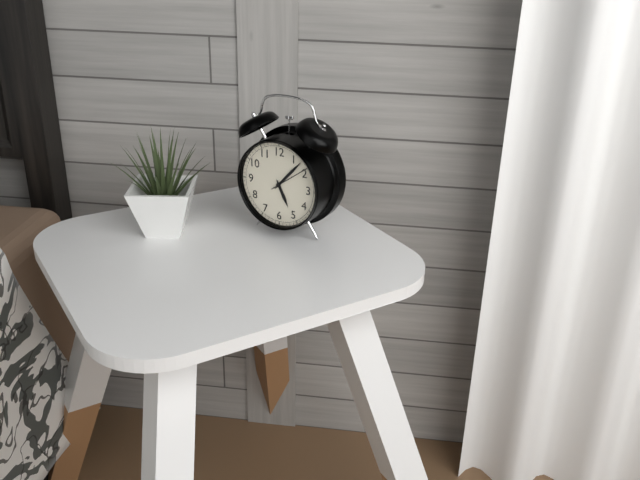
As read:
5:07
